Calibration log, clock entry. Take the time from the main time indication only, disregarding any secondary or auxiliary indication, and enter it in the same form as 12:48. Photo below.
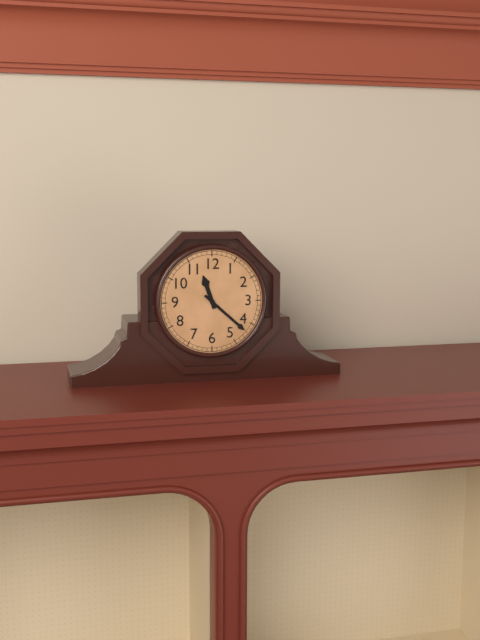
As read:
11:22
